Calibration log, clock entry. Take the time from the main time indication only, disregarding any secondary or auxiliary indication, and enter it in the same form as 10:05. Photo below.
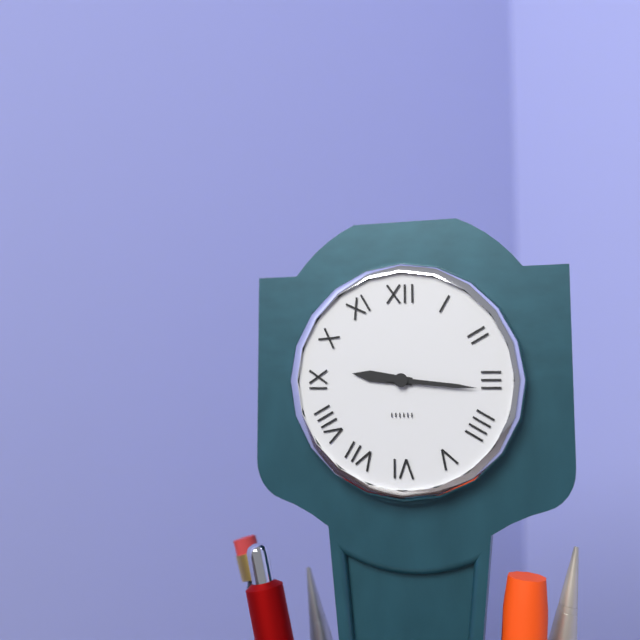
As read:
9:16
